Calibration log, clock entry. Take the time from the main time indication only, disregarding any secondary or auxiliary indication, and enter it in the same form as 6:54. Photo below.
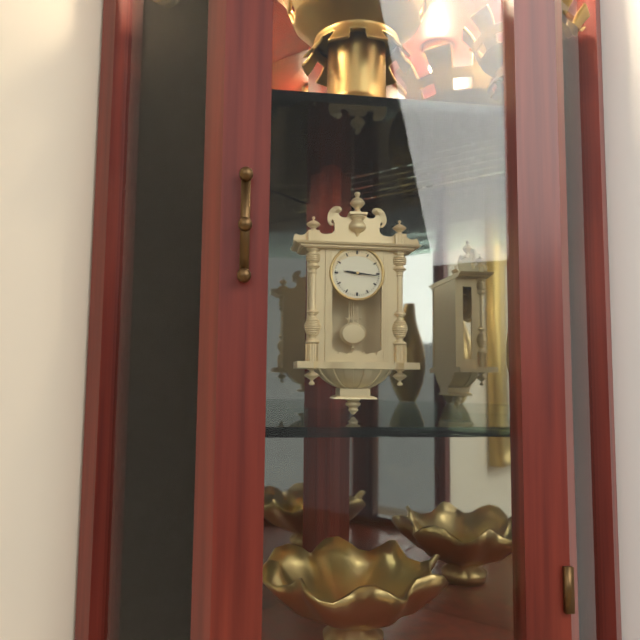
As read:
9:16
